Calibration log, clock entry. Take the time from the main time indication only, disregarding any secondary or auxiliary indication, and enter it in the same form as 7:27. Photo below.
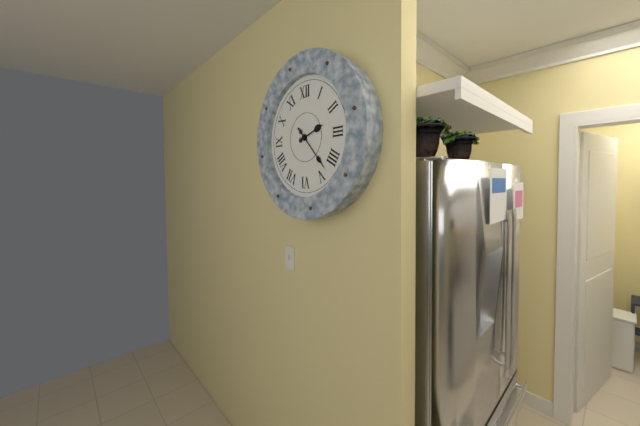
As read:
2:23
